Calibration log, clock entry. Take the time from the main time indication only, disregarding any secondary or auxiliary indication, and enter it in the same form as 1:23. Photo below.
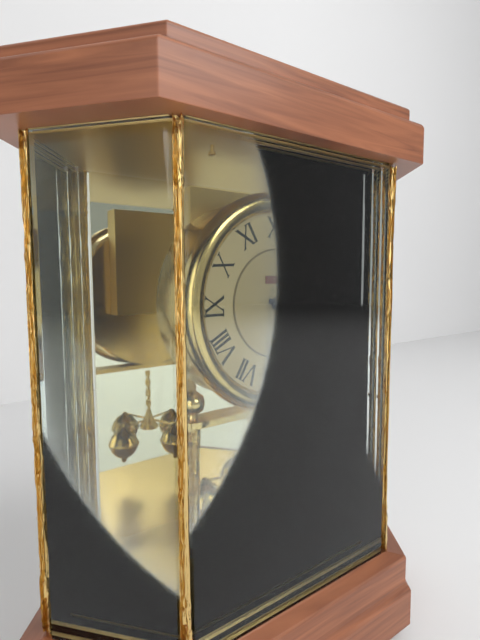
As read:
3:31
